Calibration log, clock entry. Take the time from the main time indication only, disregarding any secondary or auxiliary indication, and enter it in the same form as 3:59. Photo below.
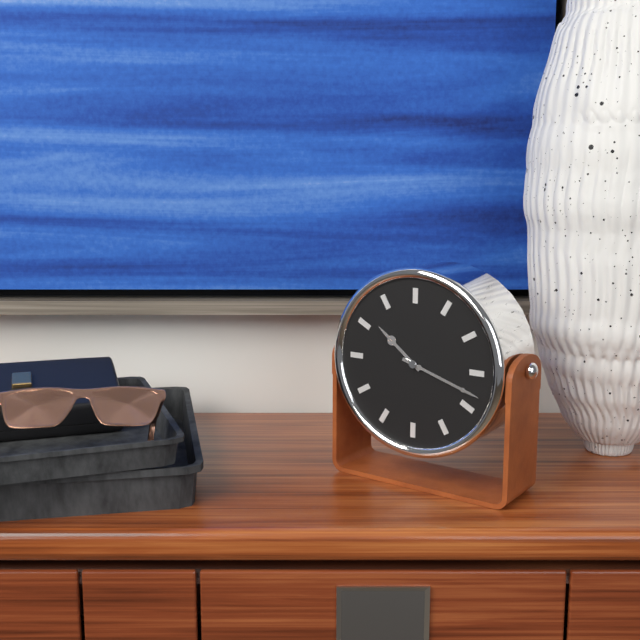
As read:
10:18
